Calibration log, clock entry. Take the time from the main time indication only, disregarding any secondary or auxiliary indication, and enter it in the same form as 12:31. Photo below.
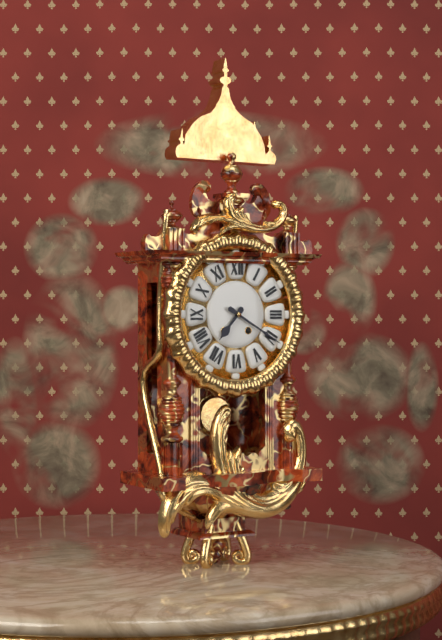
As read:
7:20
